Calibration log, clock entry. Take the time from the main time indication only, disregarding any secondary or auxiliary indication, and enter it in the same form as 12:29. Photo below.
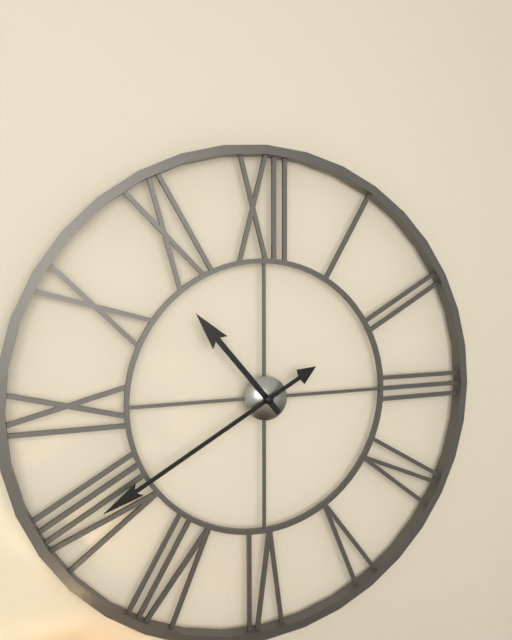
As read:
10:40
